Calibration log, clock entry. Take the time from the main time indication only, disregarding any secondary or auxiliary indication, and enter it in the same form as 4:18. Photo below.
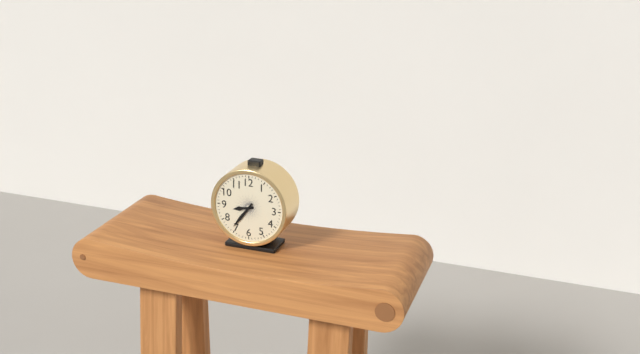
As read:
8:36
